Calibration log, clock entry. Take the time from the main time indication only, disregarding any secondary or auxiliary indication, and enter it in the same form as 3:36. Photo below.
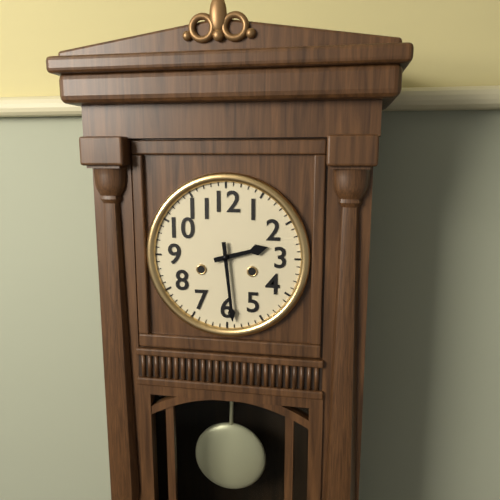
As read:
2:29
